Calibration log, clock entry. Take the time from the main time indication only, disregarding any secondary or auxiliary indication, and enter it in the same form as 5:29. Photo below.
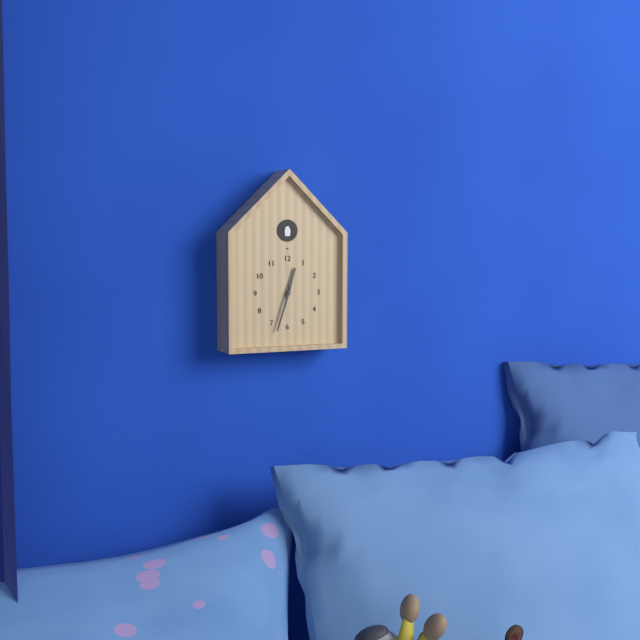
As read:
12:33
